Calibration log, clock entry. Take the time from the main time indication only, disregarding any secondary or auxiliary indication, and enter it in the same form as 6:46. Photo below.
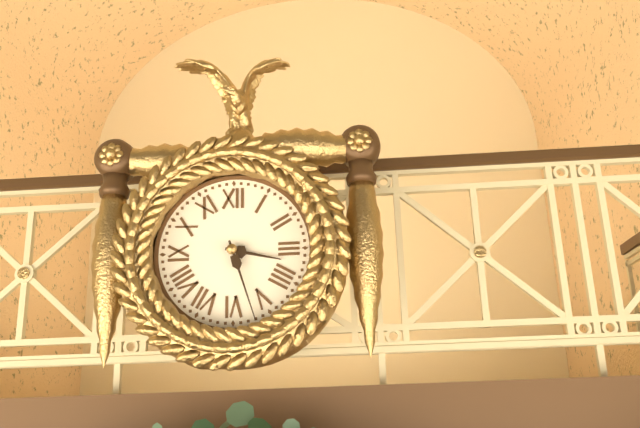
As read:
3:27
